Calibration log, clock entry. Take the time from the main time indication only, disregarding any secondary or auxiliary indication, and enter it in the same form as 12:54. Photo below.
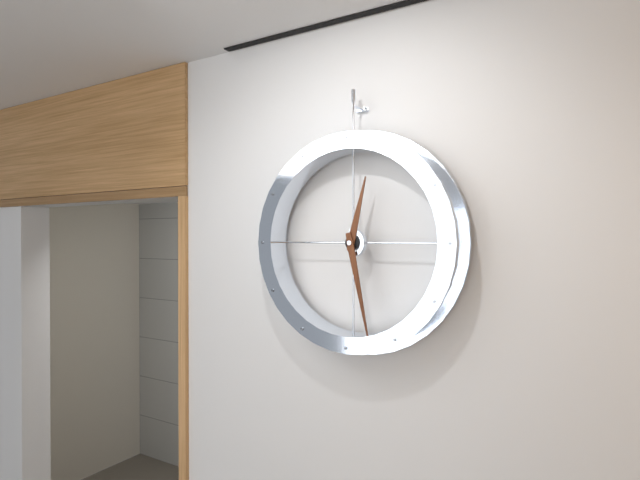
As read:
12:28
